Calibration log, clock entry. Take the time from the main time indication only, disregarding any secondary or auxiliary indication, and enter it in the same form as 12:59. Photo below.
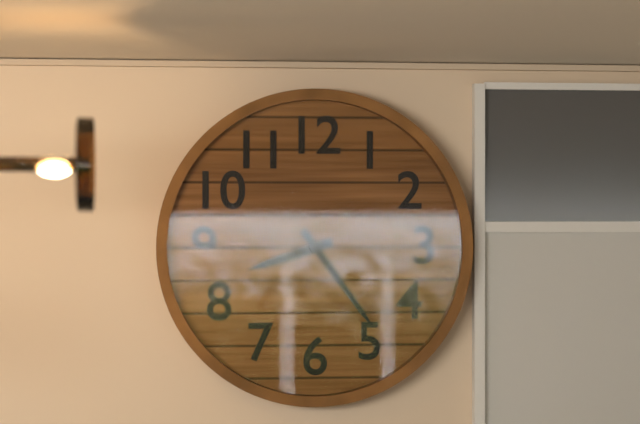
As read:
8:24
